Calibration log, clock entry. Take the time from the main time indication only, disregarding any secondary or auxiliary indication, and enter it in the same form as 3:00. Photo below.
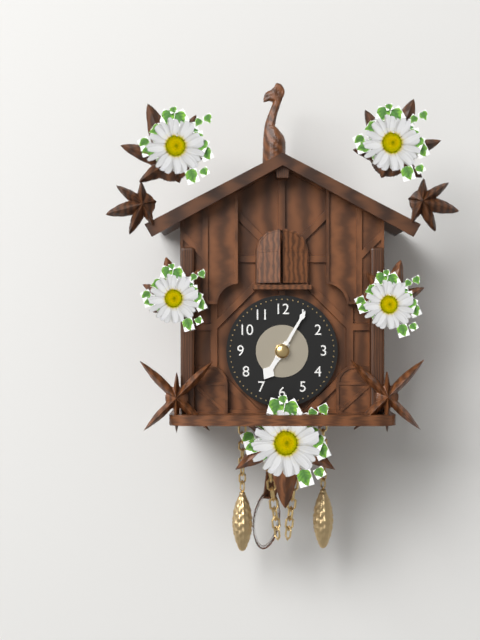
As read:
7:05
